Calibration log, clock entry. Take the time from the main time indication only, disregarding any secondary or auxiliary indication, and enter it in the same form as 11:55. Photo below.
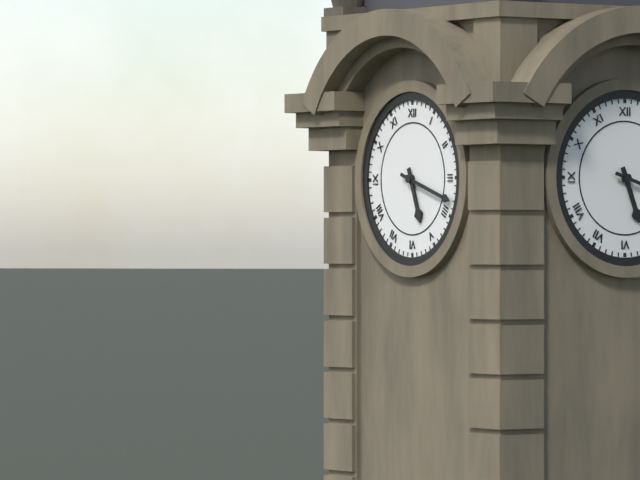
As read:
5:18
